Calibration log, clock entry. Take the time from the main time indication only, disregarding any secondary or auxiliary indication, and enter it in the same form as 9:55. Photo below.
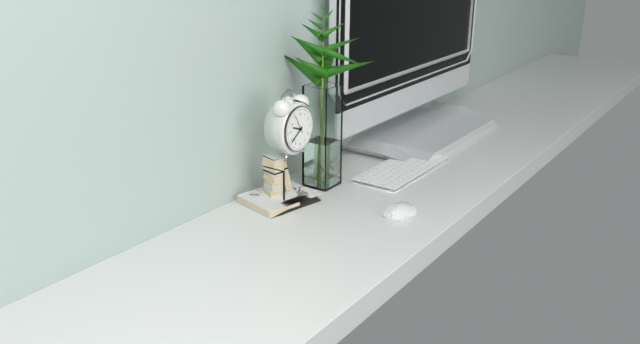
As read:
9:39
